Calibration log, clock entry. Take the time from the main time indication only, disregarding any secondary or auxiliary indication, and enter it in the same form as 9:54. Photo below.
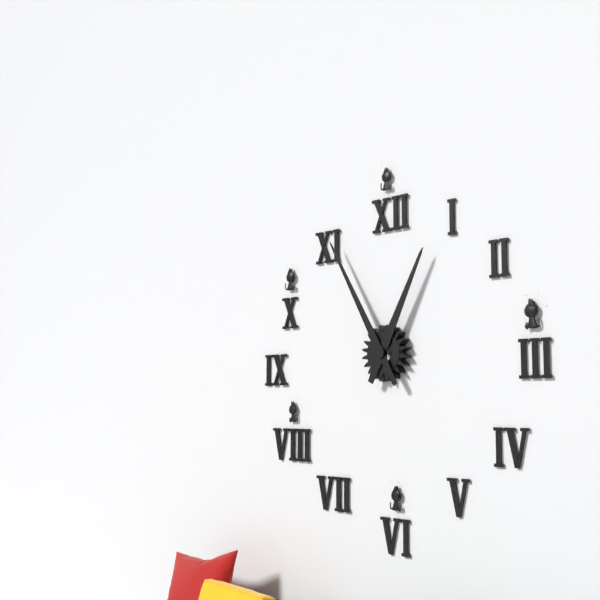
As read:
12:55
